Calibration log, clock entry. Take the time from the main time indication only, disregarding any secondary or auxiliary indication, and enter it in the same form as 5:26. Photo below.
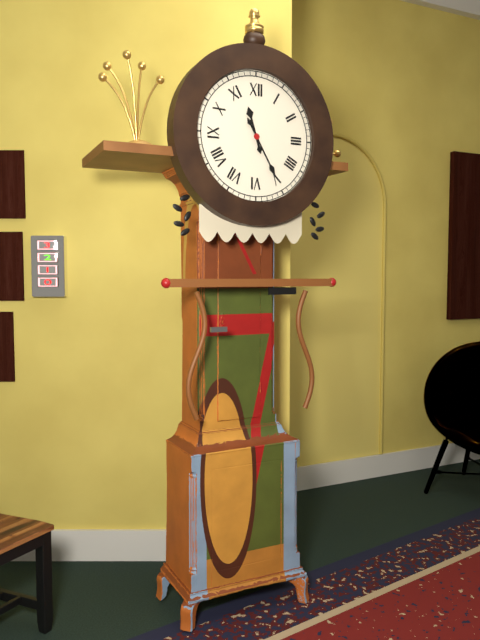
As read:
11:25
